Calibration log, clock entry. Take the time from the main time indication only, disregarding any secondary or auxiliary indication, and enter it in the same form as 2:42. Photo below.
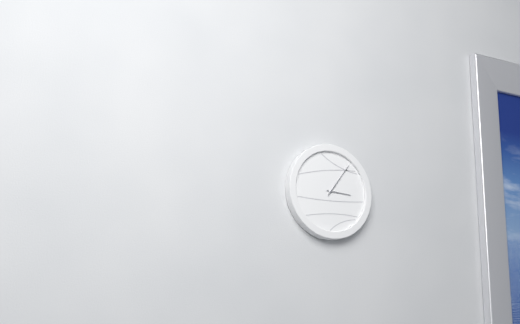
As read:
3:06
